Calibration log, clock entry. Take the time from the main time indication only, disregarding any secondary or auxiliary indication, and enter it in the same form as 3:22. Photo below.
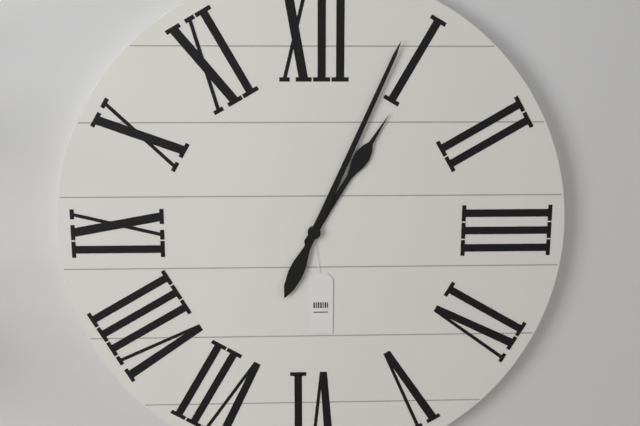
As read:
1:04
